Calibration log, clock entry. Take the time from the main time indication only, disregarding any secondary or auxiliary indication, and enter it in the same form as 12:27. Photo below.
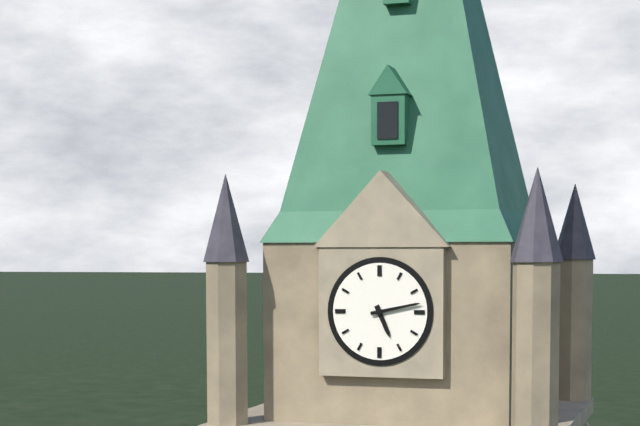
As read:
5:13
